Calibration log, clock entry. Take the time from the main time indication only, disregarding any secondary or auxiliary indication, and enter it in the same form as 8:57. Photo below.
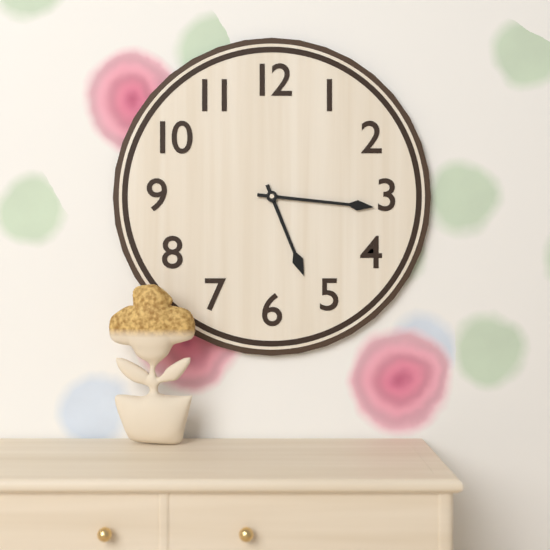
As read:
5:16
